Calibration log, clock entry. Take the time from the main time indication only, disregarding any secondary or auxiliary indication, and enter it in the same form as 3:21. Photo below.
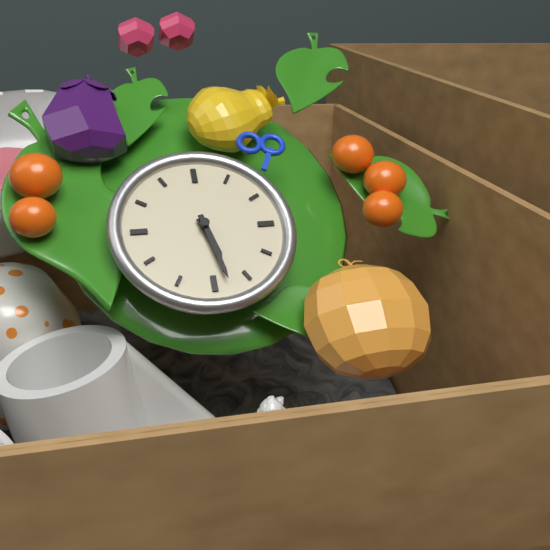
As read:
5:28
